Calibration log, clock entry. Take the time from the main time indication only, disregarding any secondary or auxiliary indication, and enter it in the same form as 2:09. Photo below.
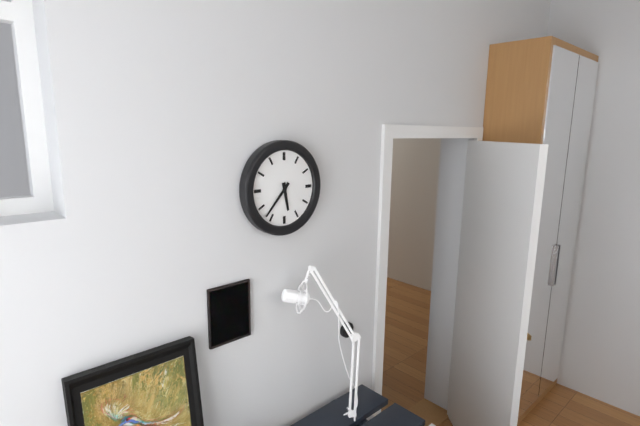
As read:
5:37
